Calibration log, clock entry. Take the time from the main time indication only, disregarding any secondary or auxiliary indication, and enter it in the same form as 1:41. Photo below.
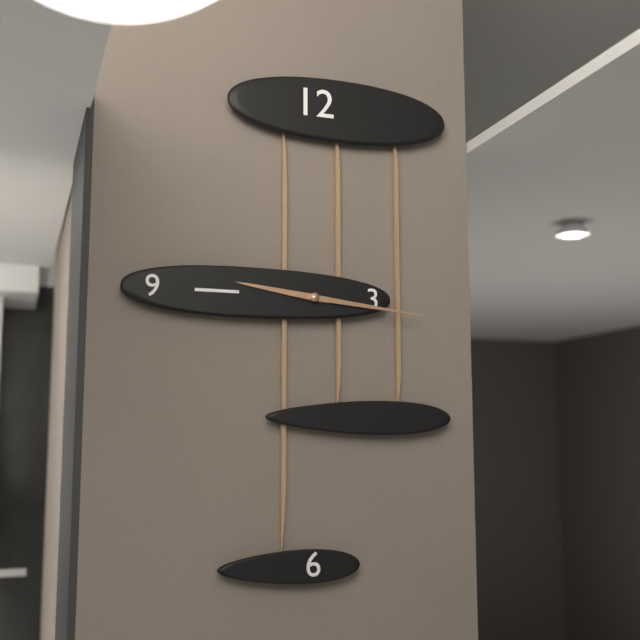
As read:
9:16
